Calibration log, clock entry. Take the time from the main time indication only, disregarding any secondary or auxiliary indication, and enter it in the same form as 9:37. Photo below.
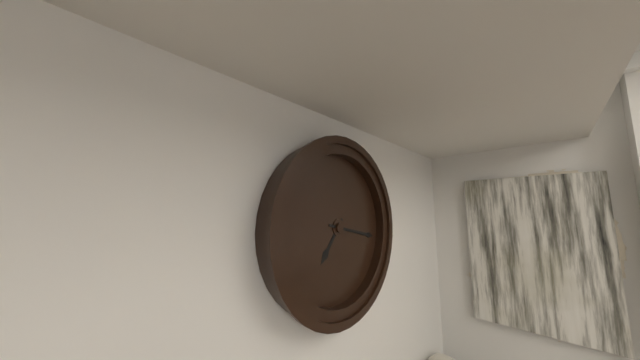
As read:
7:17
